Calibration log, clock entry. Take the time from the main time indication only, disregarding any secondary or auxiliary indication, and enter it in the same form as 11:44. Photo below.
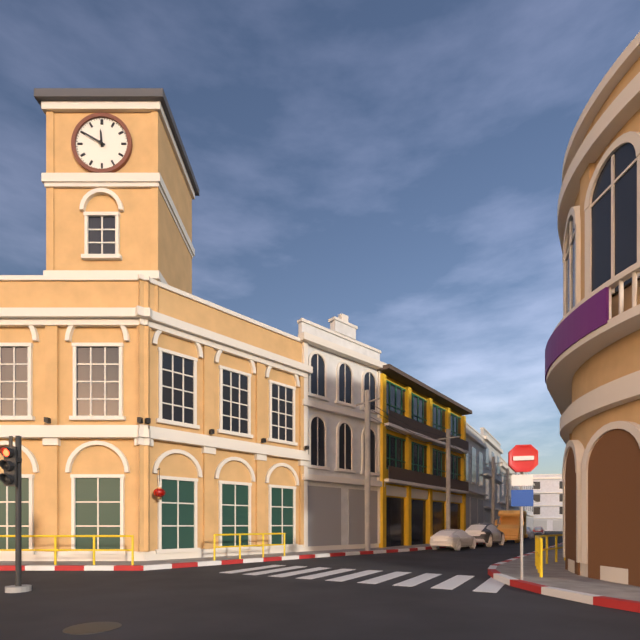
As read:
11:50
